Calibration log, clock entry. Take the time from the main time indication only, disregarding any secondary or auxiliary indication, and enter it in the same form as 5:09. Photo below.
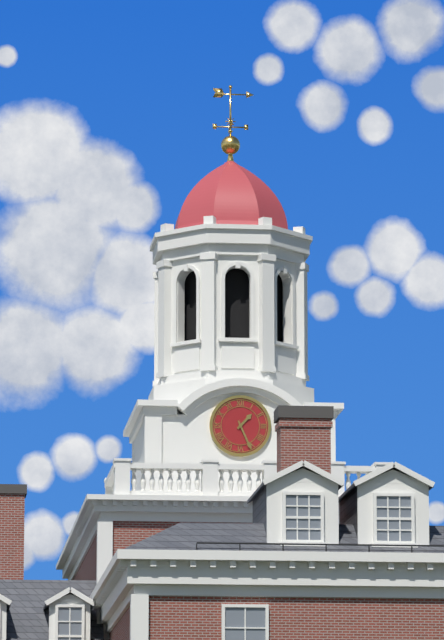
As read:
1:26
